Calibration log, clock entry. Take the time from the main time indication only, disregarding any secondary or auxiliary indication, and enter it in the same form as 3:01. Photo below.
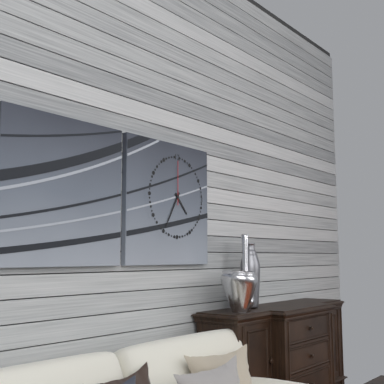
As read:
4:35
